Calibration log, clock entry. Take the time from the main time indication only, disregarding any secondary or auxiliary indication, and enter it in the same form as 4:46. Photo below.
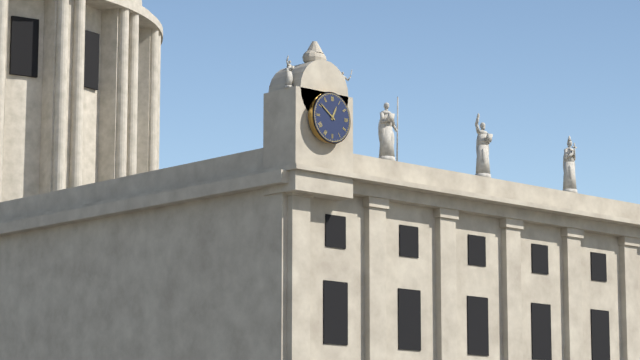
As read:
12:51
